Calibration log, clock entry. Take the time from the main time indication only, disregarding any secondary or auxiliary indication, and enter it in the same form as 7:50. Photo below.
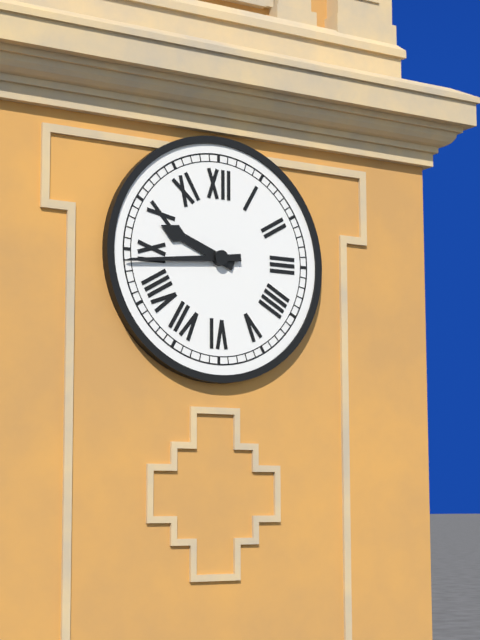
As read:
9:44
